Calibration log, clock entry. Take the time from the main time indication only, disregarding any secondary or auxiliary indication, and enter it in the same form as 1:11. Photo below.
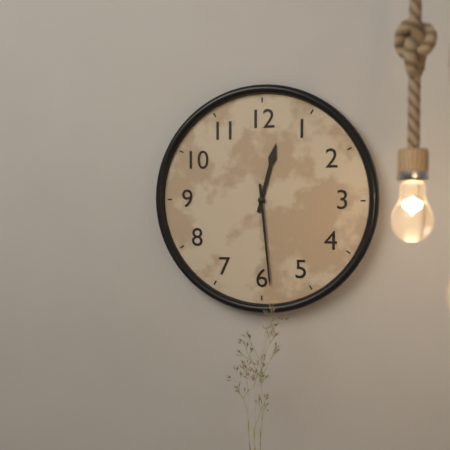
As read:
12:29
